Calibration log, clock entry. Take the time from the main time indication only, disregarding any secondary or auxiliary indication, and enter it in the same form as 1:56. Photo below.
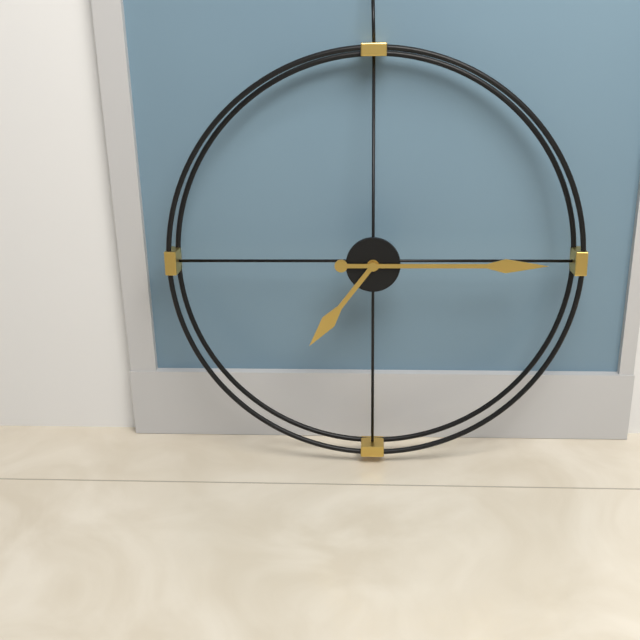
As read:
7:15
